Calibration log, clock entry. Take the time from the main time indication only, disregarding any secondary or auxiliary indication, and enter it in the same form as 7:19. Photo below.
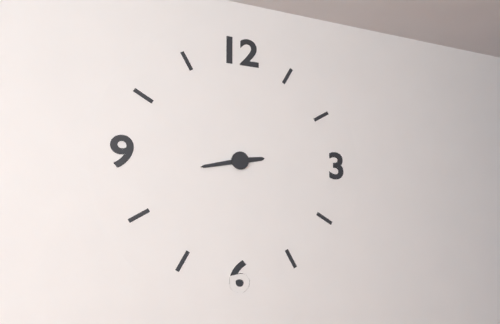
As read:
2:43
